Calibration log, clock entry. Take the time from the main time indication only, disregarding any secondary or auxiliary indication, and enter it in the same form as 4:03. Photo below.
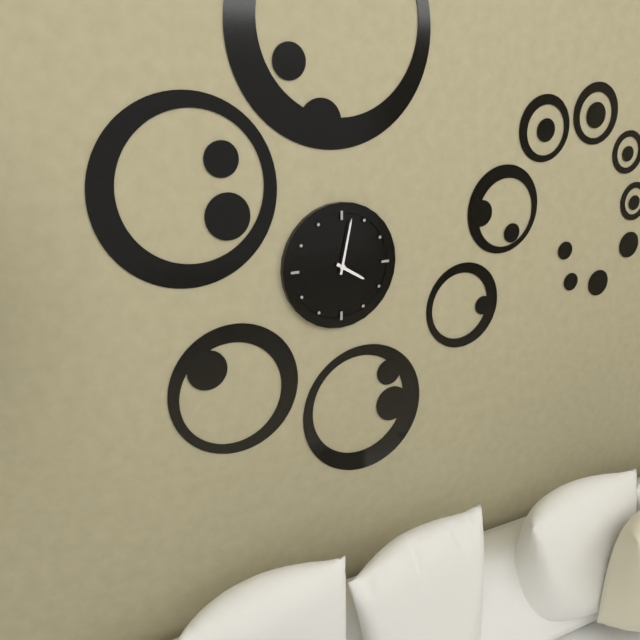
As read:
4:02
